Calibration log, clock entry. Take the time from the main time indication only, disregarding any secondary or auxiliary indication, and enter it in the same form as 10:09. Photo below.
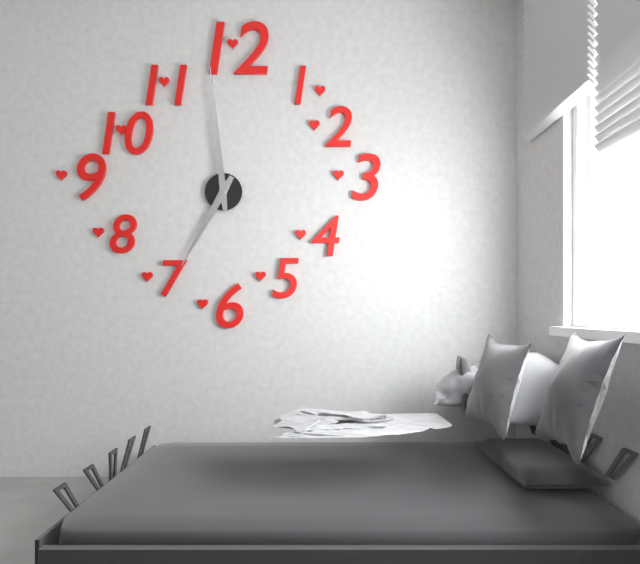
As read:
6:59
